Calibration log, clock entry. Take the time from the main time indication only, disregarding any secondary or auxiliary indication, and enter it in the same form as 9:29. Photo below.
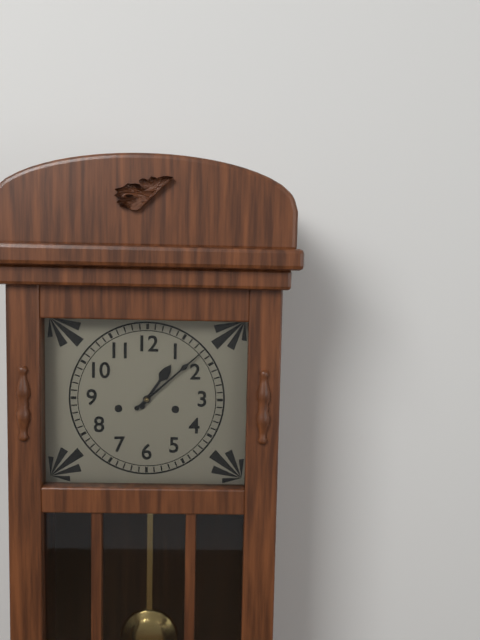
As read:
1:08
